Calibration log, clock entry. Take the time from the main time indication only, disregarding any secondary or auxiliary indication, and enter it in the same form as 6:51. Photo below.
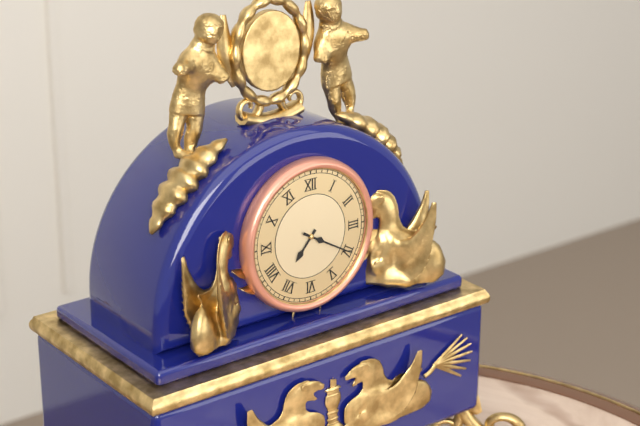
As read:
7:20
